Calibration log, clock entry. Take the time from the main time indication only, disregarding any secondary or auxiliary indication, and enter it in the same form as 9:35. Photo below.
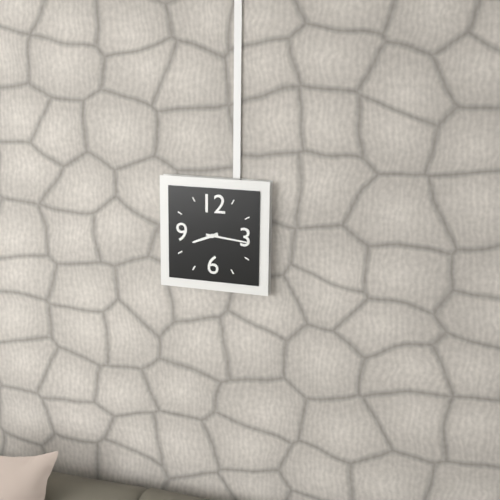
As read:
8:16
